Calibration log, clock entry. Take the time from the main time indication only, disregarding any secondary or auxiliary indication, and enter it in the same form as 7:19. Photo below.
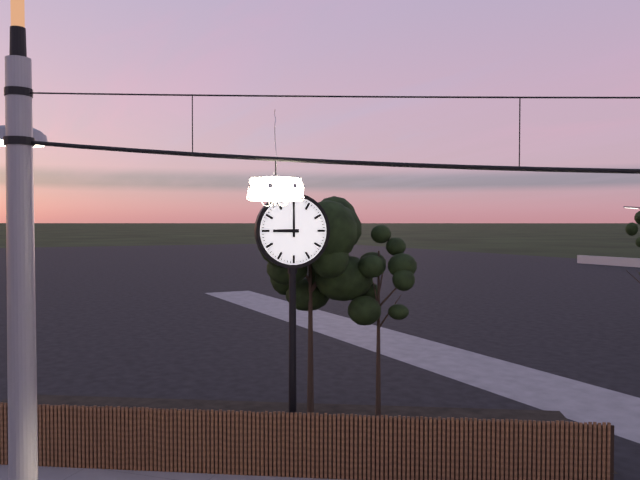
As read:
9:00
